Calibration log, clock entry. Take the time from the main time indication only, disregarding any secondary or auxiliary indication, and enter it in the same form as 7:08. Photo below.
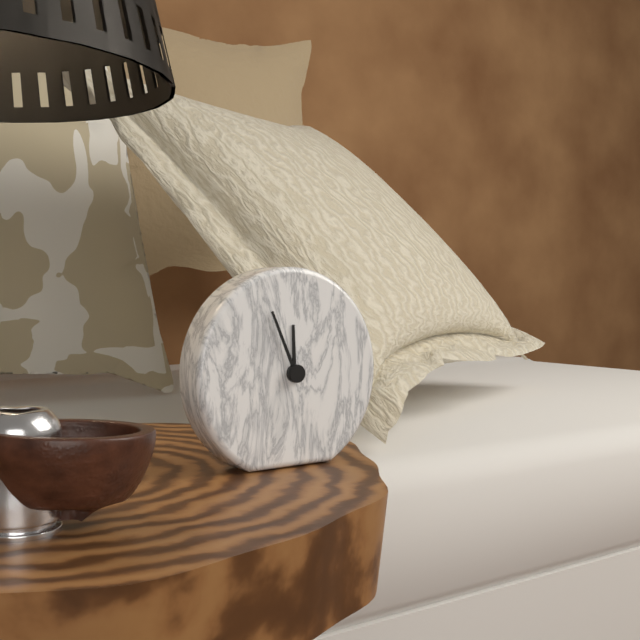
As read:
11:56
